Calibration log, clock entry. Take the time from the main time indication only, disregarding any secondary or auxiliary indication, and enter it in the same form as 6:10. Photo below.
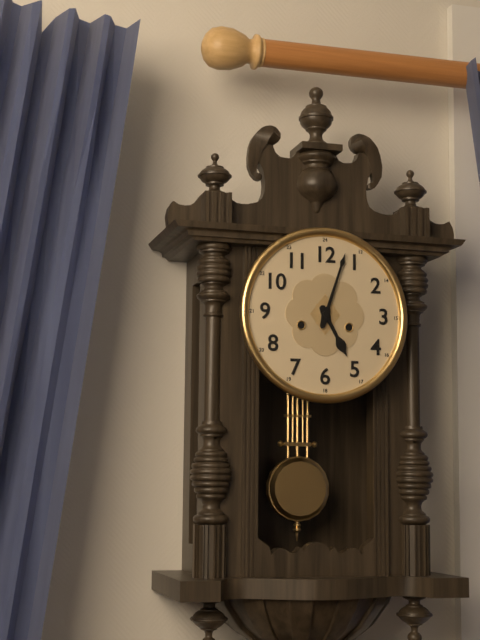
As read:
5:03
